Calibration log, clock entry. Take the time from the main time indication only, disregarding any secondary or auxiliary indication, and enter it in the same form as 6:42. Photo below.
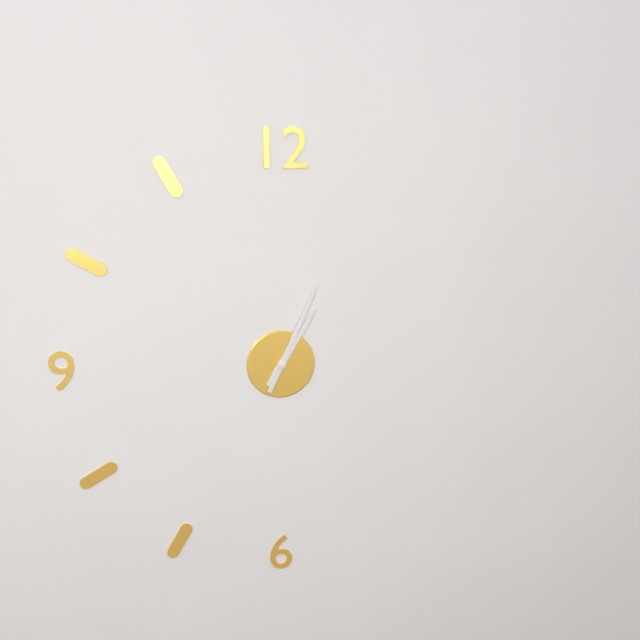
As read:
1:04
